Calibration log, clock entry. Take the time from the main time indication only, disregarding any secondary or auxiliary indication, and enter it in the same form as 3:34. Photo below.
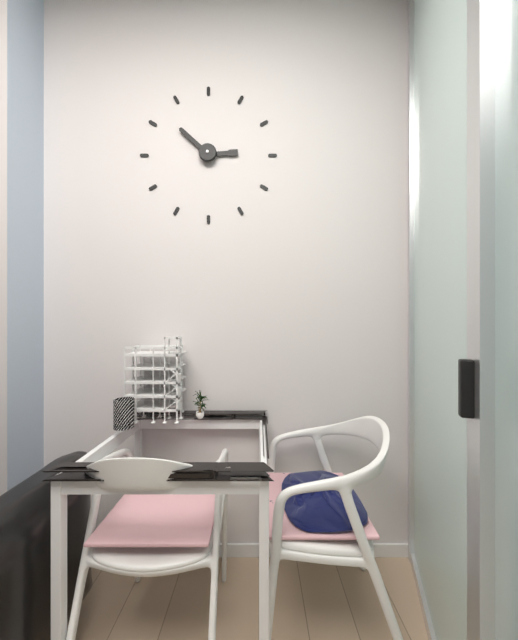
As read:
2:52
